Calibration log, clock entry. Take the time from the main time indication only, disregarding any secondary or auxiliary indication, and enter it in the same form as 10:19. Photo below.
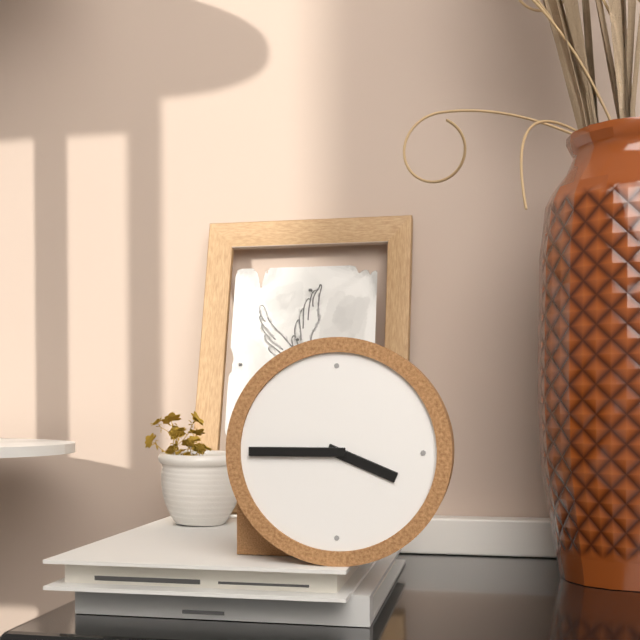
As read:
3:45
